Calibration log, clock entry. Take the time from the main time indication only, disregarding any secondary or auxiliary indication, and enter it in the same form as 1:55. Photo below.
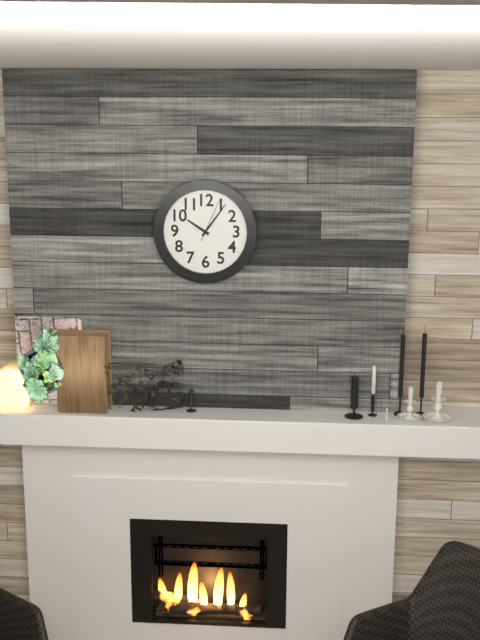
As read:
10:06
